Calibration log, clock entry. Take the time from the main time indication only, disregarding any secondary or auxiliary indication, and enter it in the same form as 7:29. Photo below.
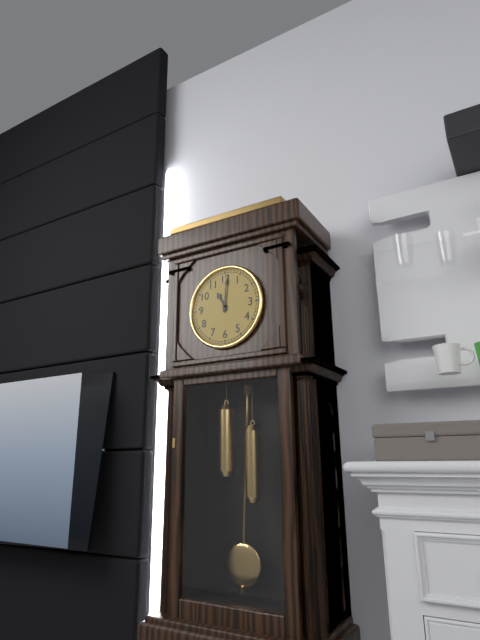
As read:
11:01
